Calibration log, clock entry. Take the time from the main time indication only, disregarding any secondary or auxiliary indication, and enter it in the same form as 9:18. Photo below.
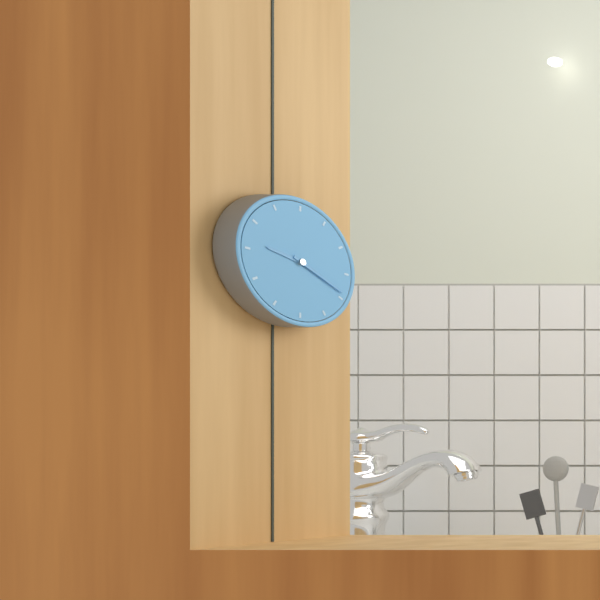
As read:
9:19
